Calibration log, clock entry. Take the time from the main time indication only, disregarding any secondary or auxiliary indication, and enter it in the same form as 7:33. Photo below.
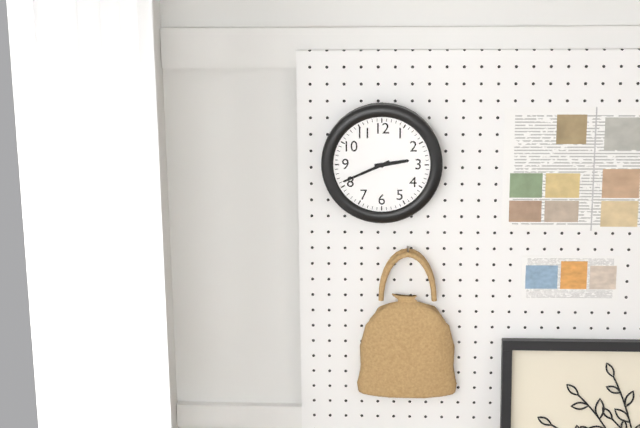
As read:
2:41
